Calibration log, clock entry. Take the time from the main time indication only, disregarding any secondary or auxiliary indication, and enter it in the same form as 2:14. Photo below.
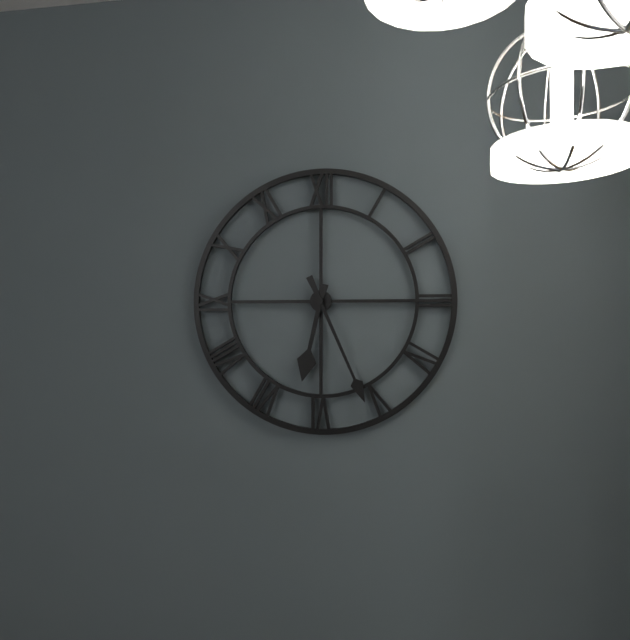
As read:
6:26
